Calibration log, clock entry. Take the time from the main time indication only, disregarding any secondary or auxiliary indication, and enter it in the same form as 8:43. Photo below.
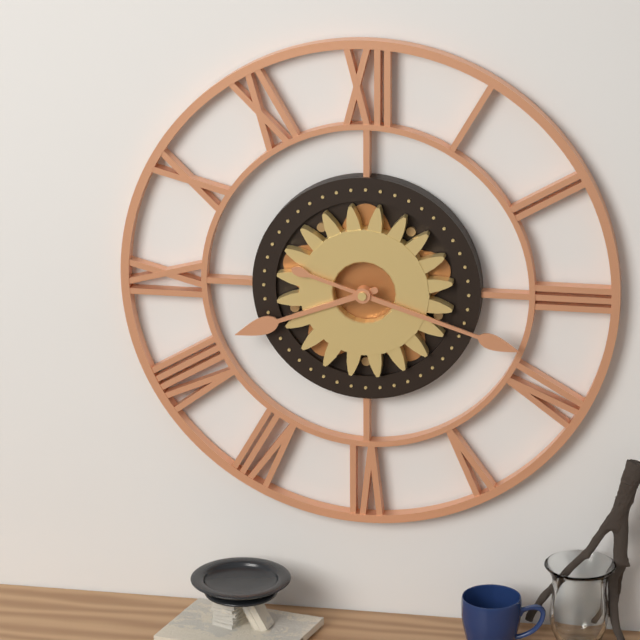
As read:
8:18
